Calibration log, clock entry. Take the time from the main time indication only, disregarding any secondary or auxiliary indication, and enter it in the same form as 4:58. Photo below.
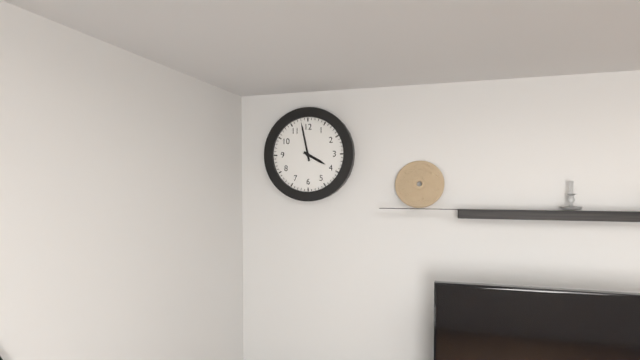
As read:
3:58
